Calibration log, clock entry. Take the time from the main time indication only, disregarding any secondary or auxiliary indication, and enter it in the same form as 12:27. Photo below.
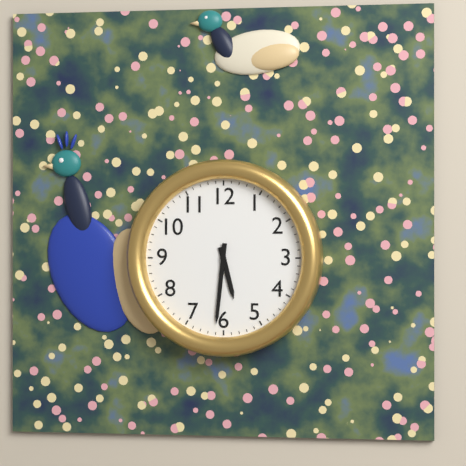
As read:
5:31
